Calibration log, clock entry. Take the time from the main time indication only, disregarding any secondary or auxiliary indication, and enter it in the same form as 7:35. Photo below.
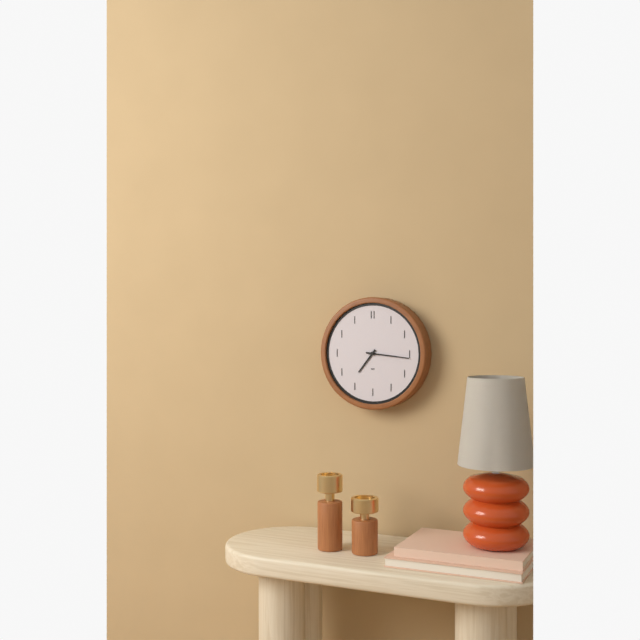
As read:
7:16
